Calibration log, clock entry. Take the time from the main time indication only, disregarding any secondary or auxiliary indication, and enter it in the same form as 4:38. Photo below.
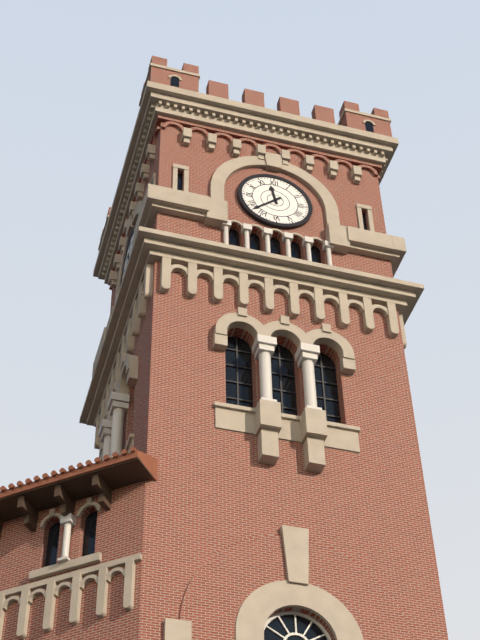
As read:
11:38
